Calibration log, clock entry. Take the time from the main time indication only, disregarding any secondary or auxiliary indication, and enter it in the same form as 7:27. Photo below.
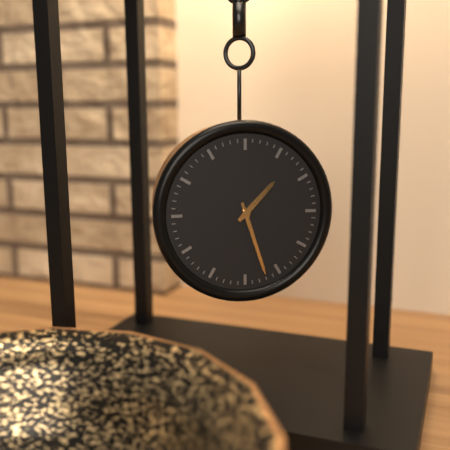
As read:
1:27
